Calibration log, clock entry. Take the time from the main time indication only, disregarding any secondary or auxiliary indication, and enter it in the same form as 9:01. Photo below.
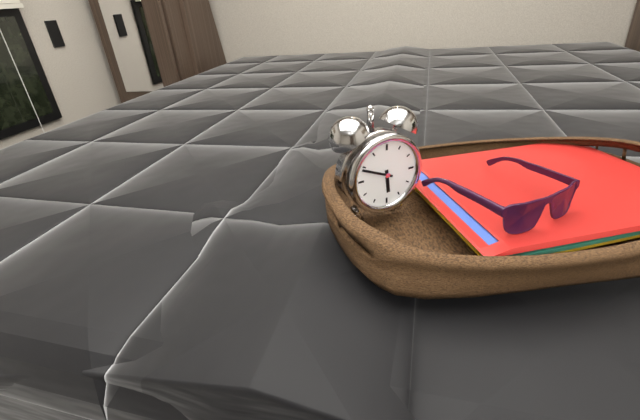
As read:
5:49
